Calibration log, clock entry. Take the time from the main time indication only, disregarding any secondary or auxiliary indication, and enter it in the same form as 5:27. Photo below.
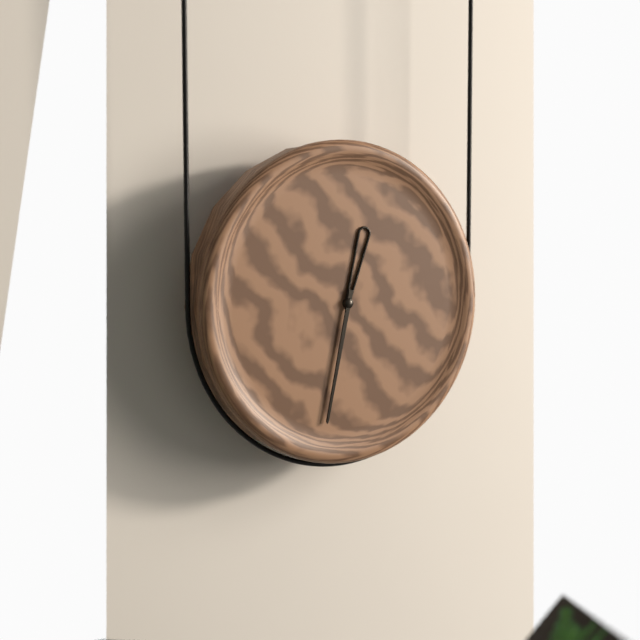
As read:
12:32
